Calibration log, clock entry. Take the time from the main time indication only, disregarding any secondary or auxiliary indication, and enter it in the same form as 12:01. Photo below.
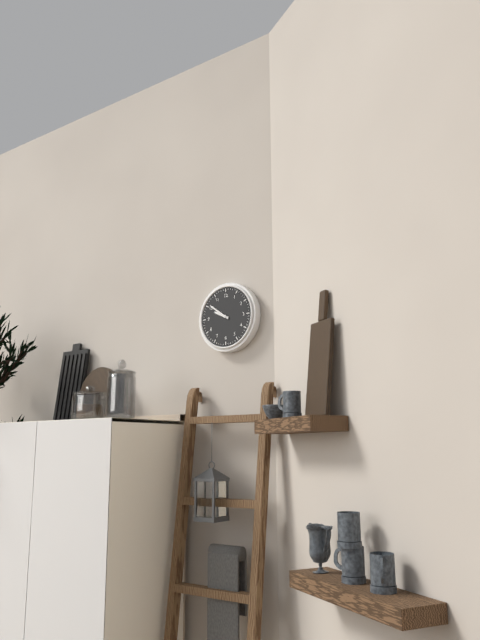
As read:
9:51
